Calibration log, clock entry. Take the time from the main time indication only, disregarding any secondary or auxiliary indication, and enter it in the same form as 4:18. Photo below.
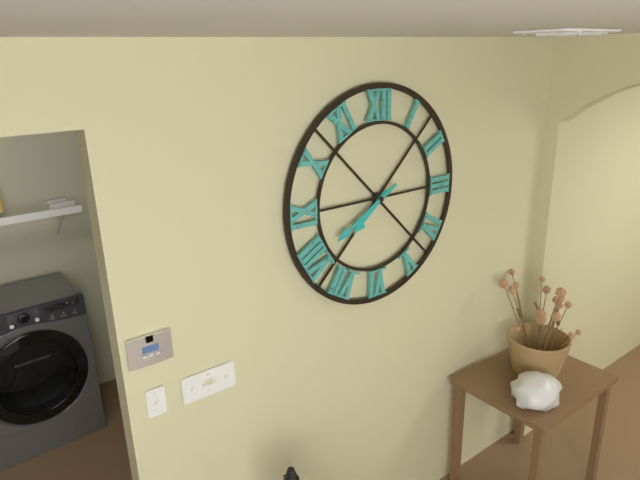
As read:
7:40
